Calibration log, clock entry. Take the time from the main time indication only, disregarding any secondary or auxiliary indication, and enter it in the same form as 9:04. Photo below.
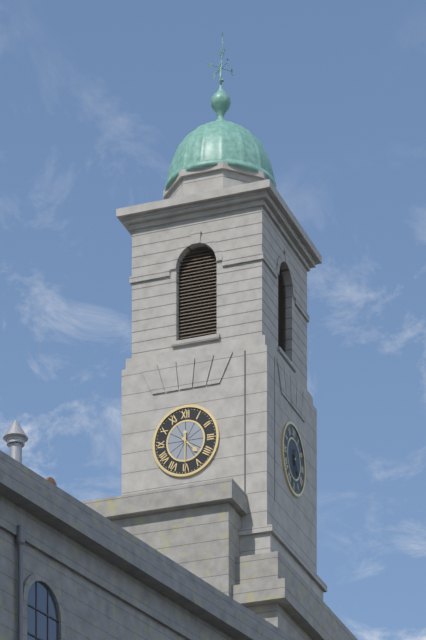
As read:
4:30
